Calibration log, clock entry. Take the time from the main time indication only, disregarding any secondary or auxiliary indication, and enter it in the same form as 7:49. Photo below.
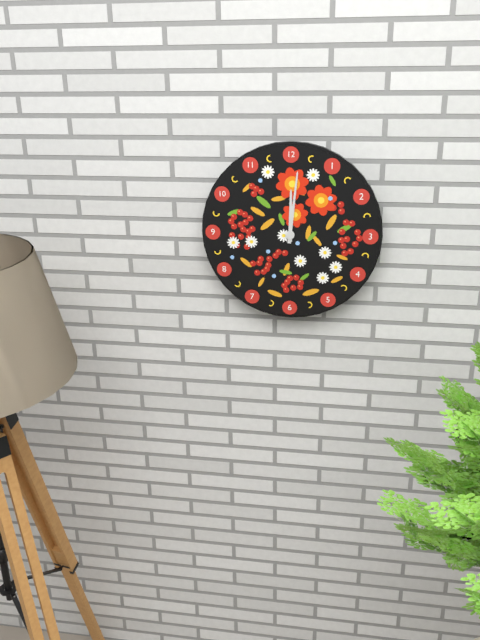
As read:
12:01
